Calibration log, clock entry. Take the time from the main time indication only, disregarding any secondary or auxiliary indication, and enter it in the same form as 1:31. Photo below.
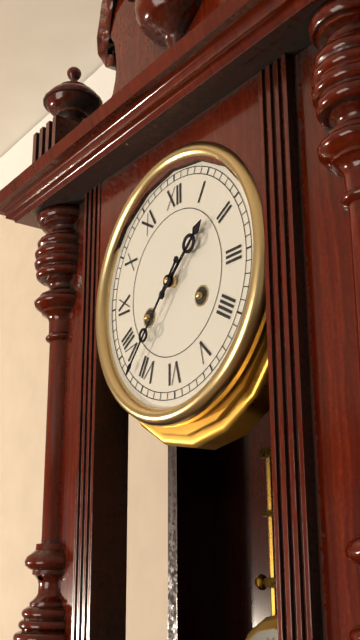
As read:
1:37
